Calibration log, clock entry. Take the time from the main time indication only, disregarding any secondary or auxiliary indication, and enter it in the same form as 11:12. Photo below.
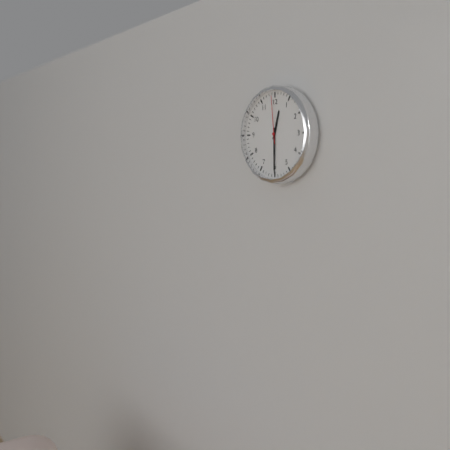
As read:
12:30
